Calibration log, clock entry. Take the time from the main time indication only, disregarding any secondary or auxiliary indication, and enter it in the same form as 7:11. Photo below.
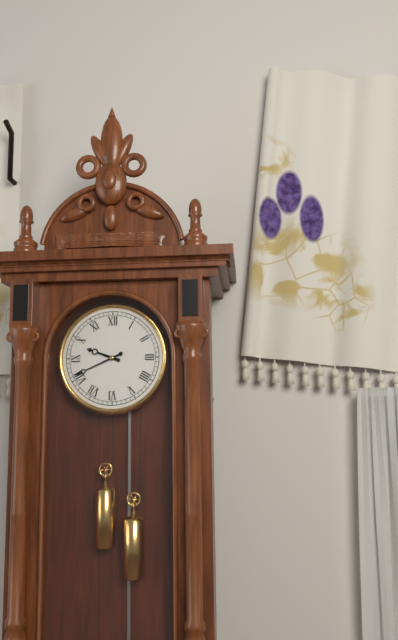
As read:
9:41
